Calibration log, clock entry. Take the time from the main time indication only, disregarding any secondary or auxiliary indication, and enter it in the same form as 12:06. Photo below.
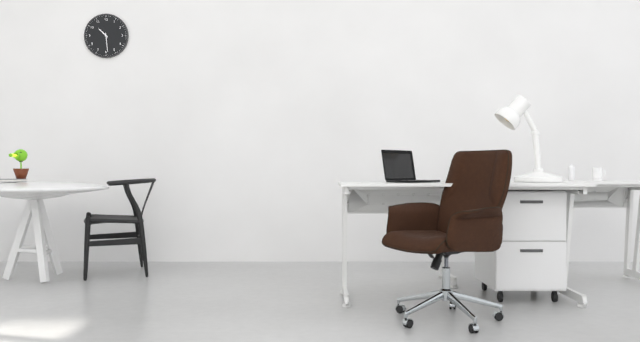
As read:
10:29
